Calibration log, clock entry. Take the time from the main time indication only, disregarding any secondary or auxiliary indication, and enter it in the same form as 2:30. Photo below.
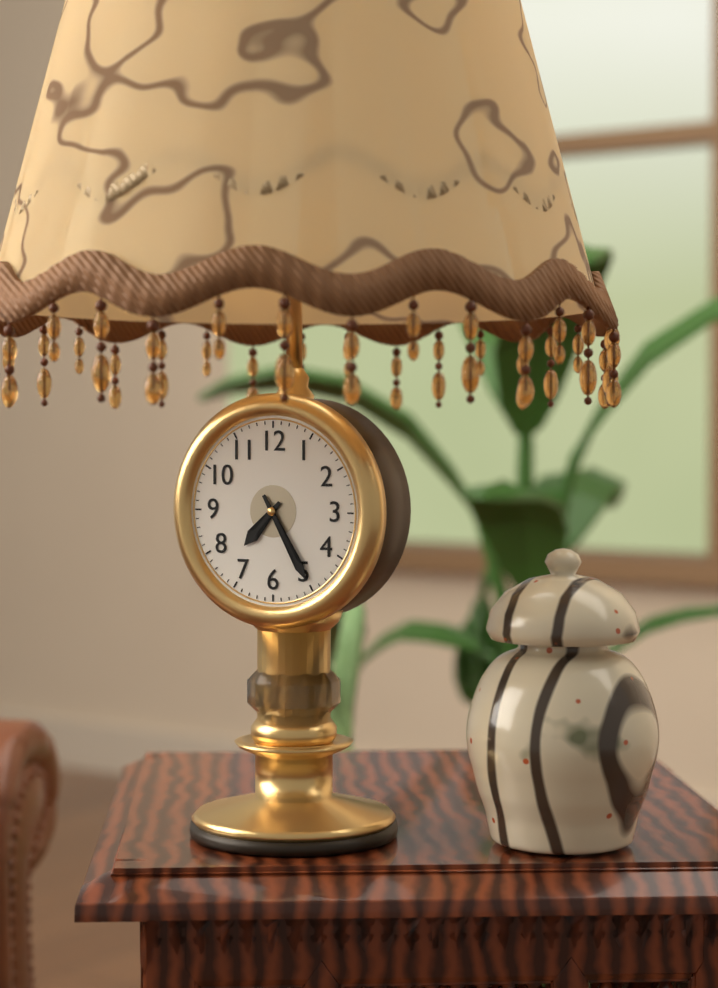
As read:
7:25
